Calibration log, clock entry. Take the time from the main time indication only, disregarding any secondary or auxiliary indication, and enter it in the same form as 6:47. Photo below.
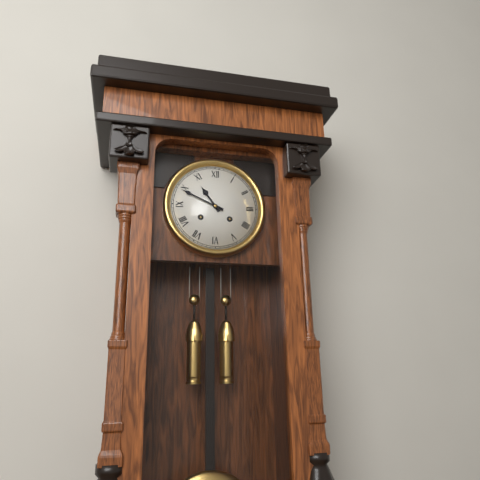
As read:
10:49
